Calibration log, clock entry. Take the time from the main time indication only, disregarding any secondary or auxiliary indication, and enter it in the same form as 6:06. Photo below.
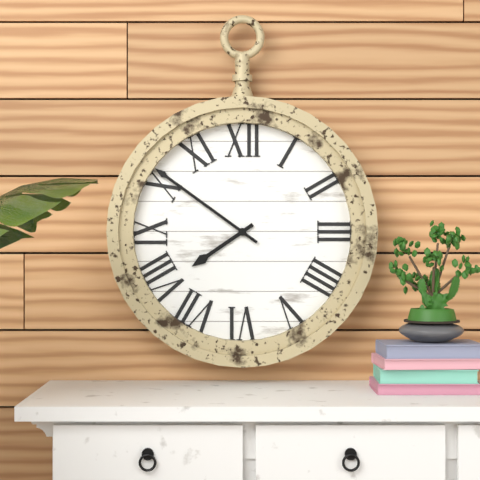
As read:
7:51
